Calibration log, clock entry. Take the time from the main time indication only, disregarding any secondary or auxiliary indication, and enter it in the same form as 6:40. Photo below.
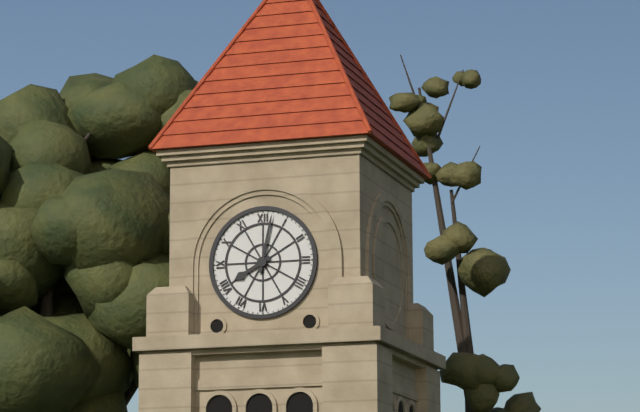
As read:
8:02
